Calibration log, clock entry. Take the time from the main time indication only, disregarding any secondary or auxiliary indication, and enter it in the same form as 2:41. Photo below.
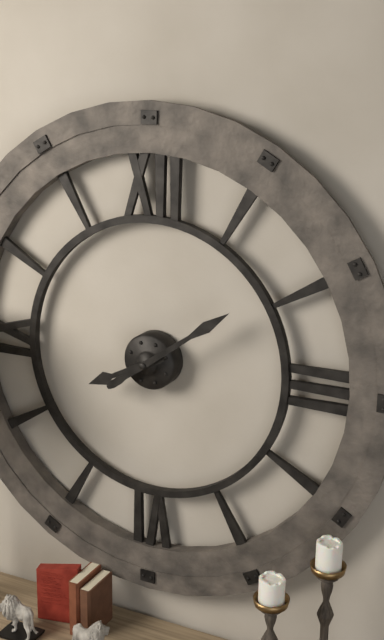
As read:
8:09
